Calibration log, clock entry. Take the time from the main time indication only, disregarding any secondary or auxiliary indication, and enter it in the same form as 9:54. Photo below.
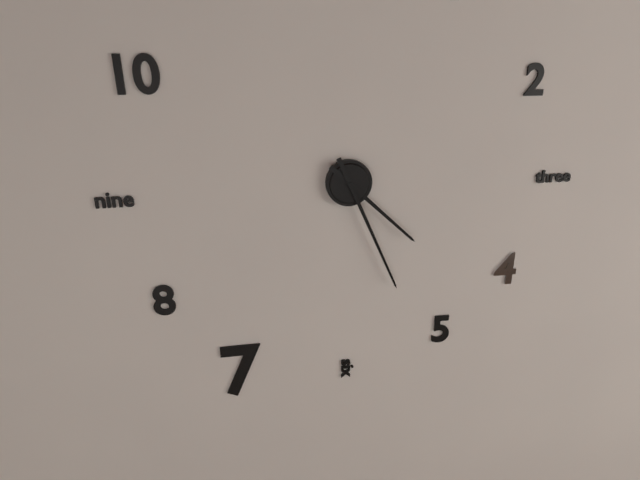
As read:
4:26
